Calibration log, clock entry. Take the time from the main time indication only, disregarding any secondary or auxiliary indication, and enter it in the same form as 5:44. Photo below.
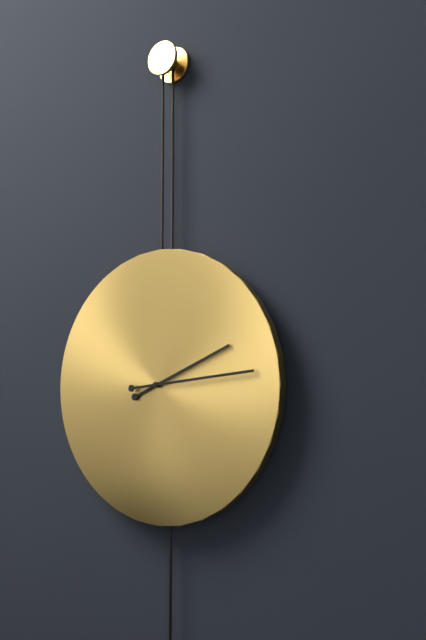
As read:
2:14
